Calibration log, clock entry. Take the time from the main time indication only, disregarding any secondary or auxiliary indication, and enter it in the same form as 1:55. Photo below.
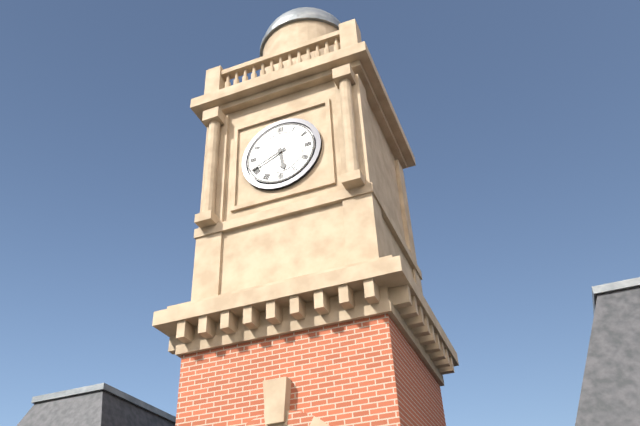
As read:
5:41
